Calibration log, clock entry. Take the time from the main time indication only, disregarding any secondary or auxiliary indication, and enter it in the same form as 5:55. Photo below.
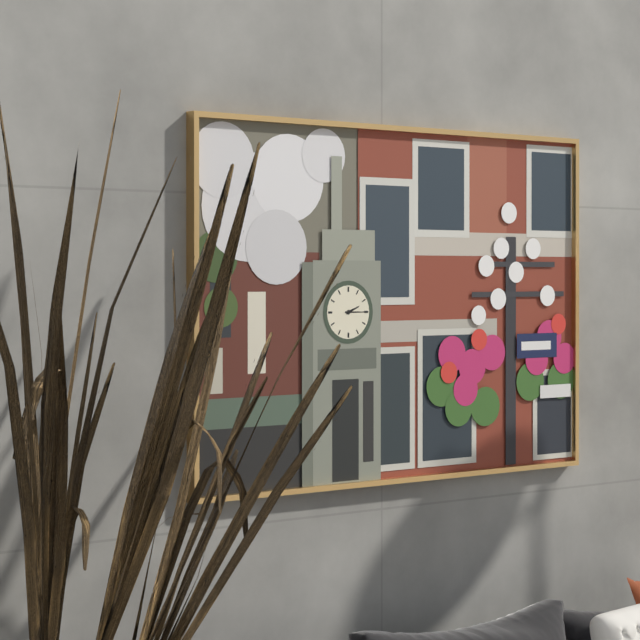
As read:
2:15
